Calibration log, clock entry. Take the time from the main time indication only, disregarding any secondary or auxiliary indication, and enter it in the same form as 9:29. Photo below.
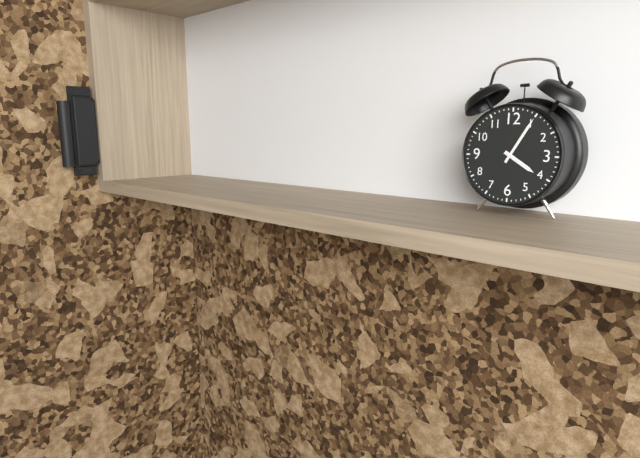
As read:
4:05
